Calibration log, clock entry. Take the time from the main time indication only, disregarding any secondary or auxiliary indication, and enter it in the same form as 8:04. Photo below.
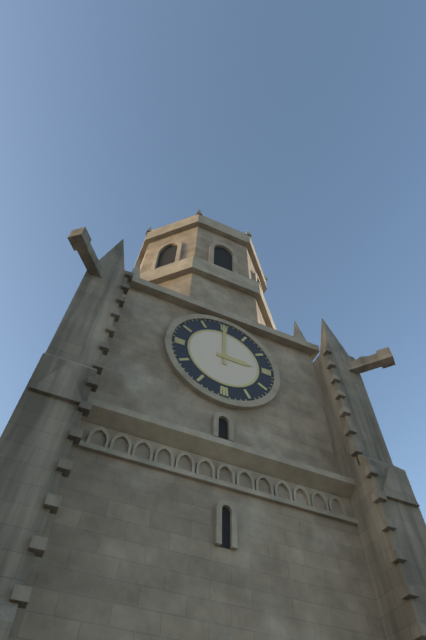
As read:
3:00
